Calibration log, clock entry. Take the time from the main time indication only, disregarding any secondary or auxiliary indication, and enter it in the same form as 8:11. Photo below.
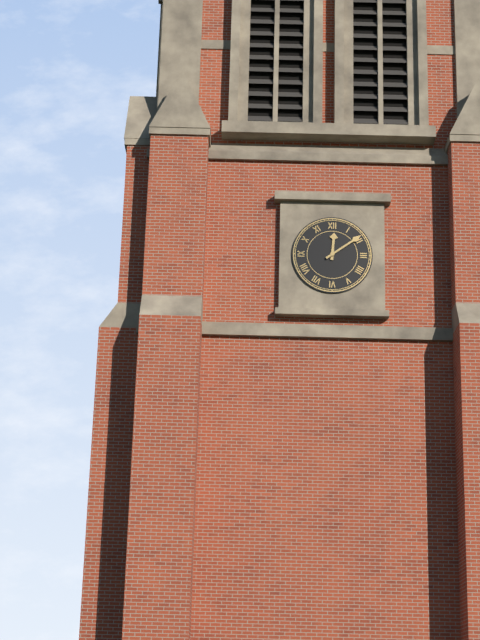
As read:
12:09
